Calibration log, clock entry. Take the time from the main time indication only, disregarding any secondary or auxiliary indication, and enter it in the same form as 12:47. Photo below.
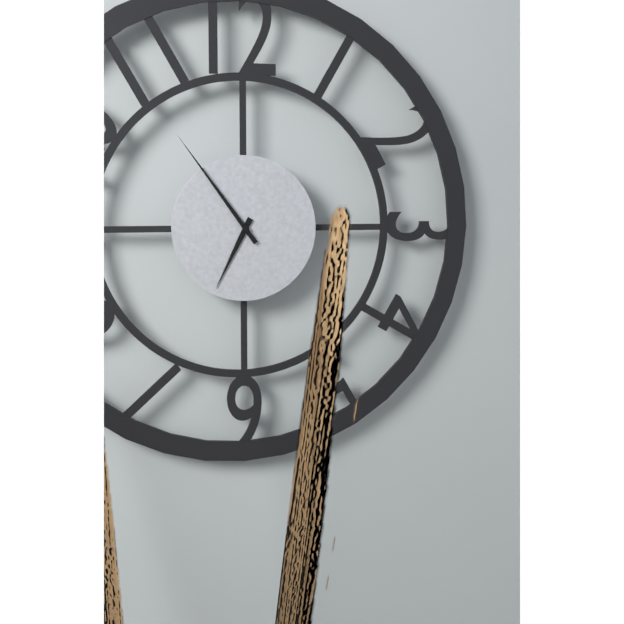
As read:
6:54
